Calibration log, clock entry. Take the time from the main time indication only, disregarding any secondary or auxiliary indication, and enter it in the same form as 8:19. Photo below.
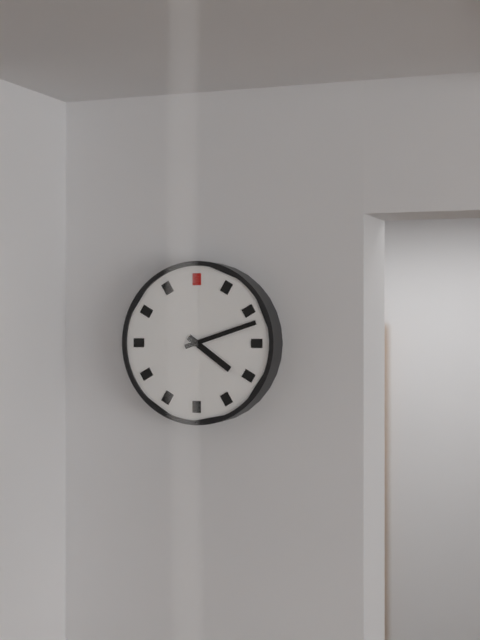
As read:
4:12
